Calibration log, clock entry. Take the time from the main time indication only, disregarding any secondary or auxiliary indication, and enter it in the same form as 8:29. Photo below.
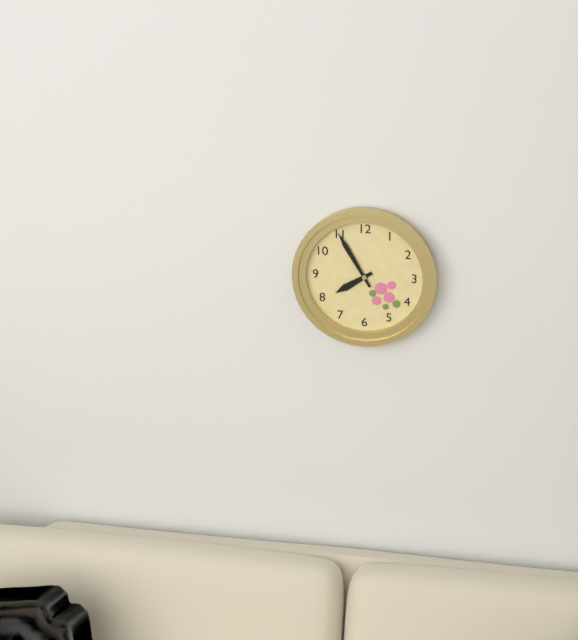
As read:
7:55
